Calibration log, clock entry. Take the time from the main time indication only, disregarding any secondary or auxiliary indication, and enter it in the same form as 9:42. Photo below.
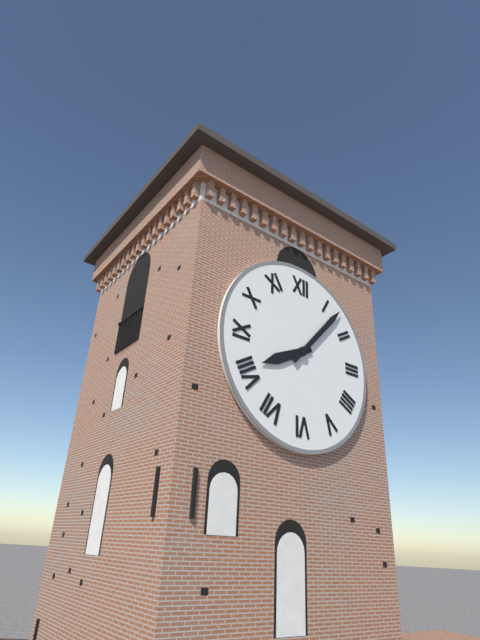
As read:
8:07
